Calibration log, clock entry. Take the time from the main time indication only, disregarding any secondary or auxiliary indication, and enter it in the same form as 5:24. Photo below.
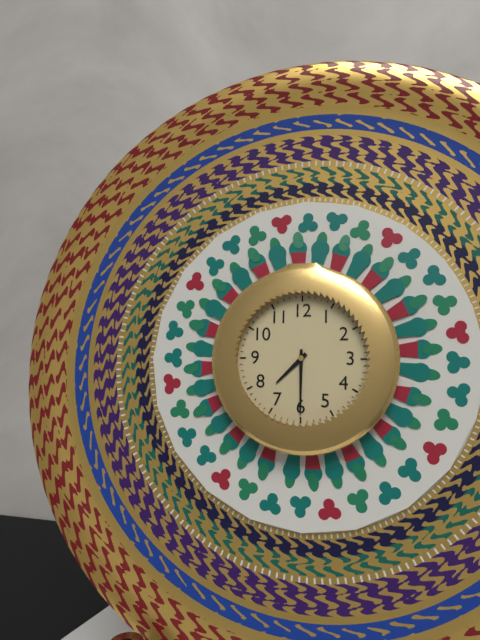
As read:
7:30
